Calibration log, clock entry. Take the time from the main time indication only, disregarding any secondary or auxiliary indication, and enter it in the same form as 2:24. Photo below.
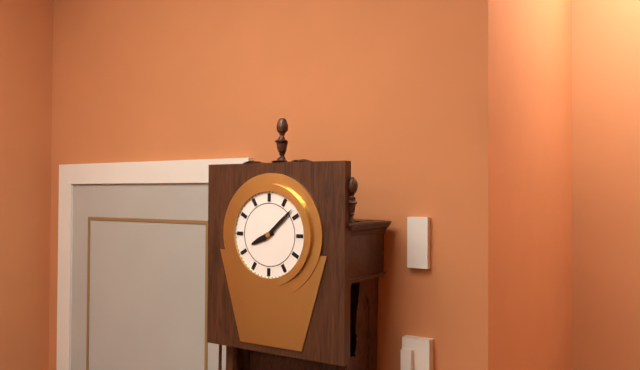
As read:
8:08
